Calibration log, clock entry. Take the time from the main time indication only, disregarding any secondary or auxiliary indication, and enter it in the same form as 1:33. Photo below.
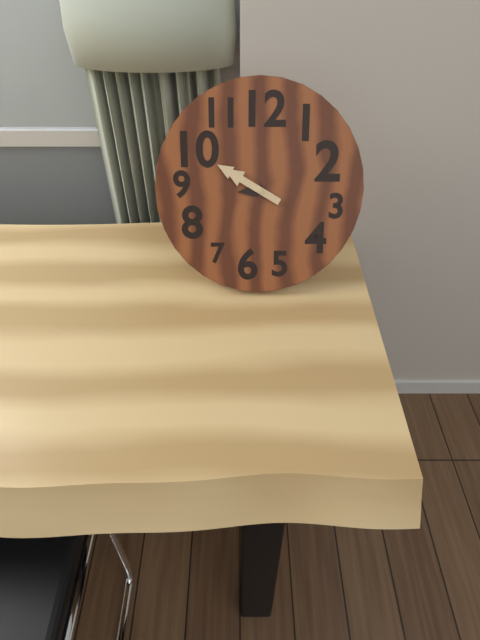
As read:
8:50
